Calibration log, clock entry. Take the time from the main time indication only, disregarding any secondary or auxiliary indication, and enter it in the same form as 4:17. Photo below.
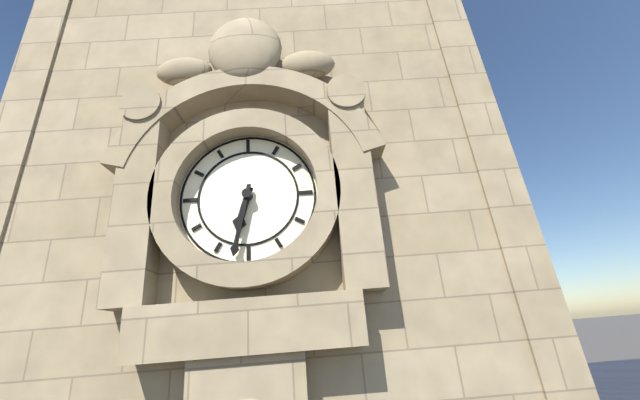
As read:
6:32
